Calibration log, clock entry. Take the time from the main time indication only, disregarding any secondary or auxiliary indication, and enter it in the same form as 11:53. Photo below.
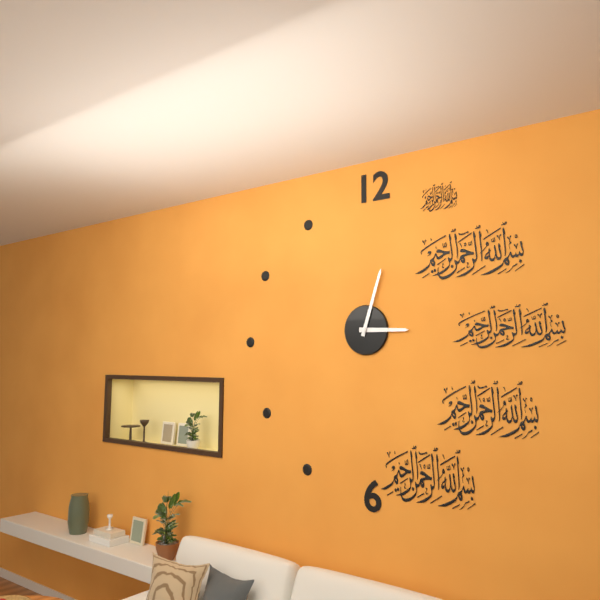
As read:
3:03
